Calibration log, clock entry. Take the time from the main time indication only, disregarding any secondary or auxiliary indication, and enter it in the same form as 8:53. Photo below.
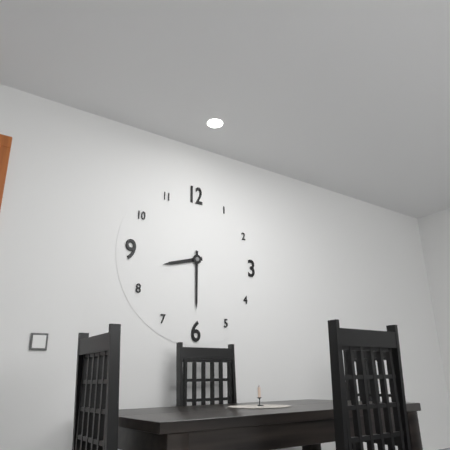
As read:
8:30
